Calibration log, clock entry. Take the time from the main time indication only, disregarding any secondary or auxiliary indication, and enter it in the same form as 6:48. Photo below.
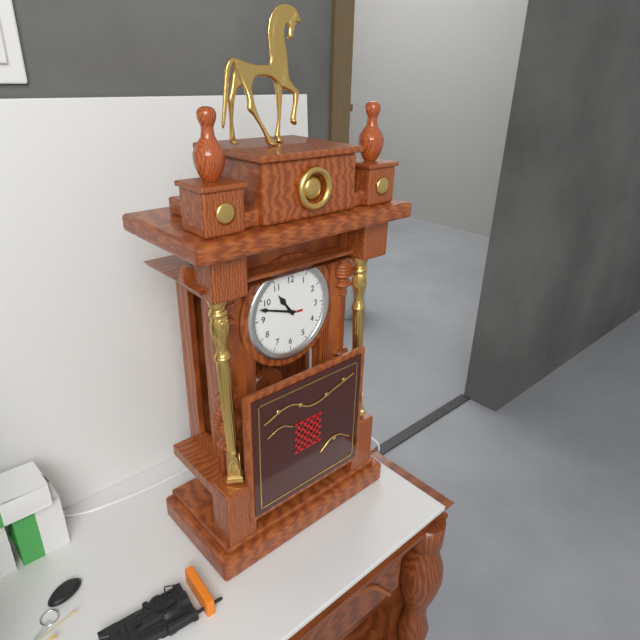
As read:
10:48
